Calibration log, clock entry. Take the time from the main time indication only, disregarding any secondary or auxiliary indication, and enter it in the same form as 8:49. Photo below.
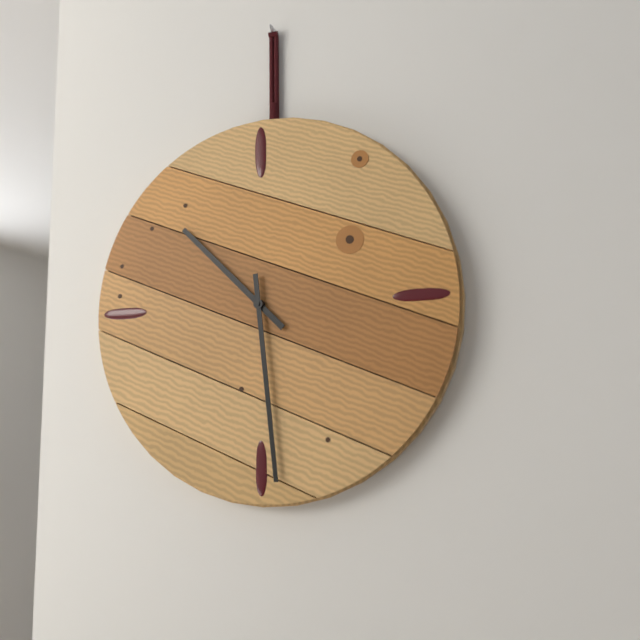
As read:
10:29
